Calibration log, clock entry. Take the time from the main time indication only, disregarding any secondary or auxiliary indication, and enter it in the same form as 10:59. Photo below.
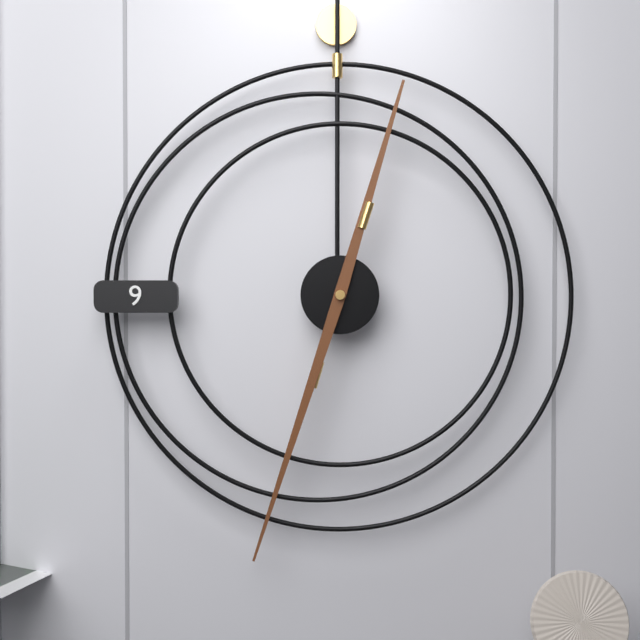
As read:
12:33
